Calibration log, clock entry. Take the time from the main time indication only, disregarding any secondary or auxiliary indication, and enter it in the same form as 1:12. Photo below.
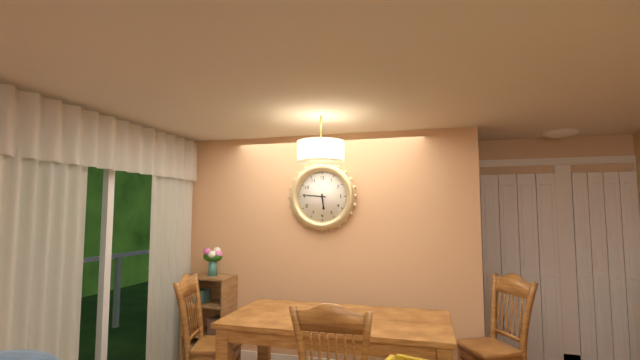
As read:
5:46
